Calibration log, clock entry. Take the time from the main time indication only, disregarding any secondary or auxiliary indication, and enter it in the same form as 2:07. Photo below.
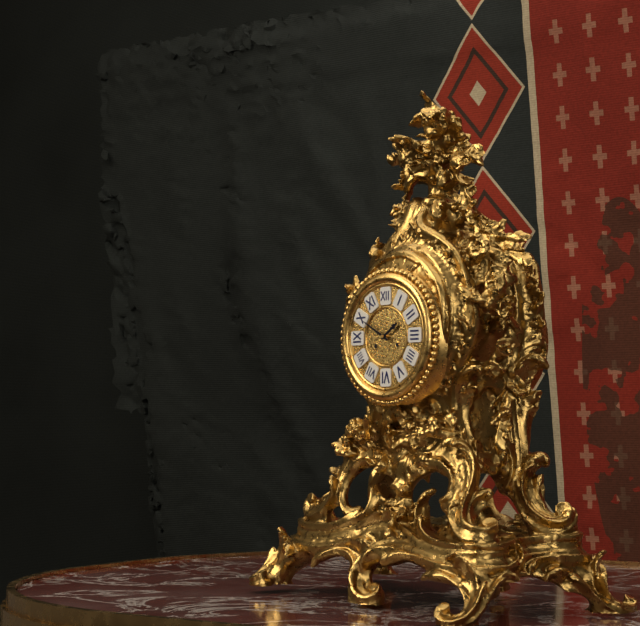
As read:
1:50
